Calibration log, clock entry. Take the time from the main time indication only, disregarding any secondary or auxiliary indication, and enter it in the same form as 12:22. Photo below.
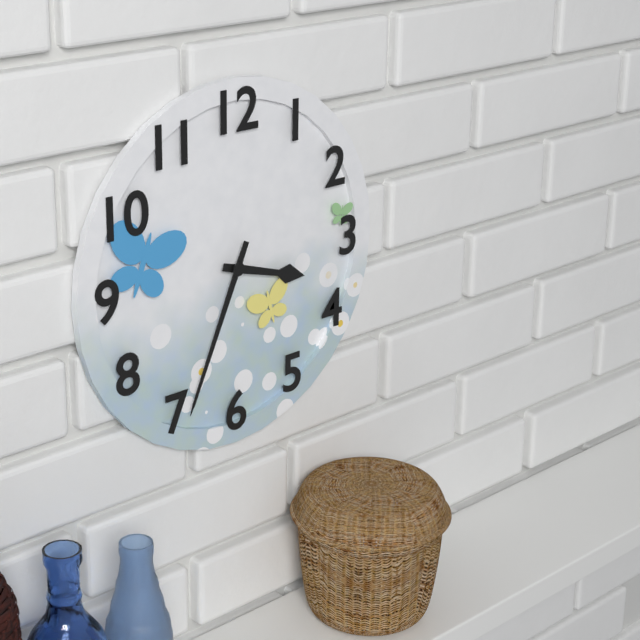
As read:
3:34
